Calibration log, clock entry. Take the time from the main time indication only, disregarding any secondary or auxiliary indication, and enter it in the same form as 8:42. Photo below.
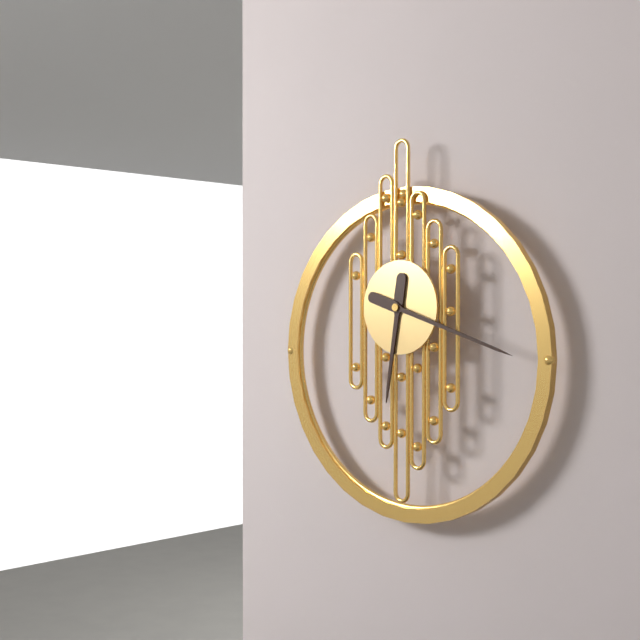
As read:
6:18
